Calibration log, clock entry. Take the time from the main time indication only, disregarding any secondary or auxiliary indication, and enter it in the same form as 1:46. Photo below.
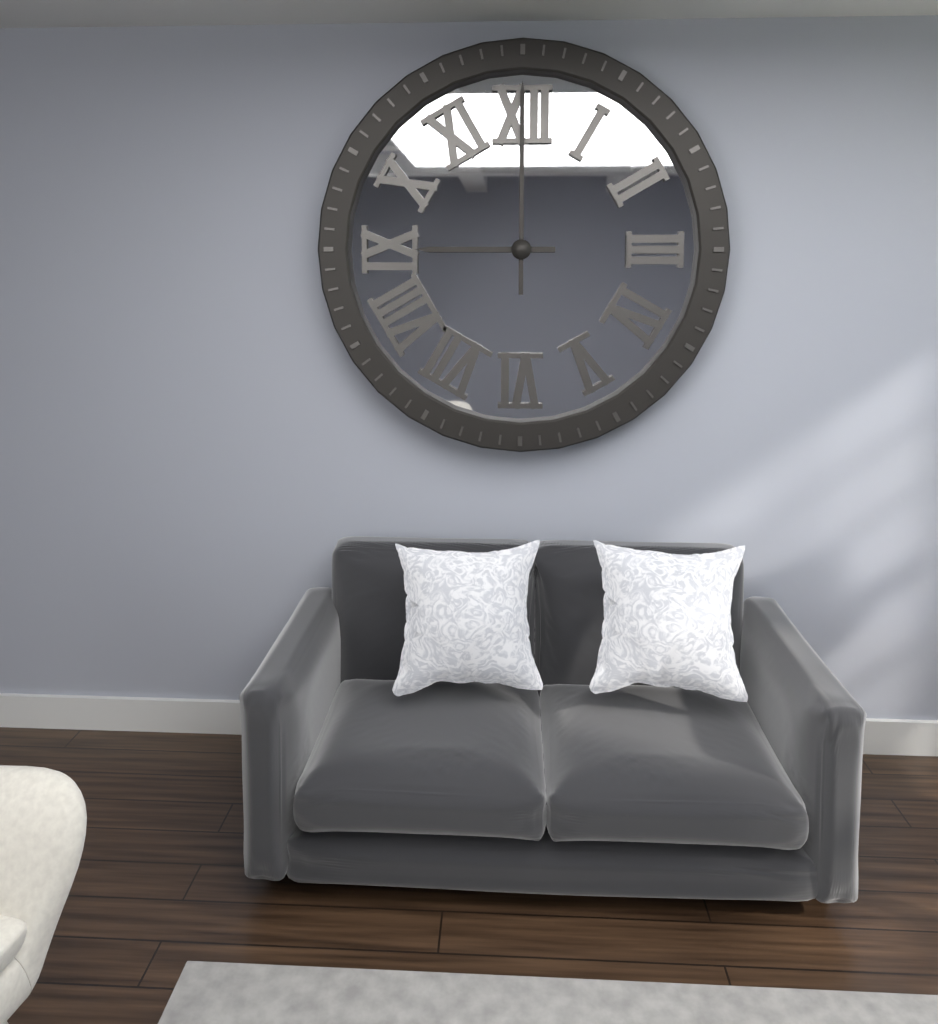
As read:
9:00
